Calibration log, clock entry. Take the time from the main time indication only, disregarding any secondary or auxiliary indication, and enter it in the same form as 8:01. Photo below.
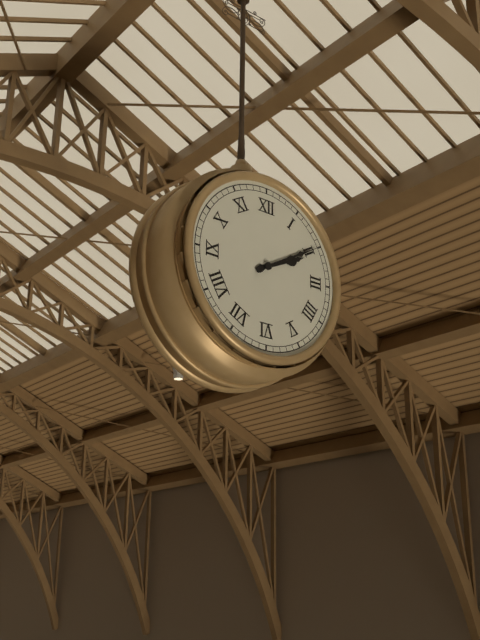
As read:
2:10
